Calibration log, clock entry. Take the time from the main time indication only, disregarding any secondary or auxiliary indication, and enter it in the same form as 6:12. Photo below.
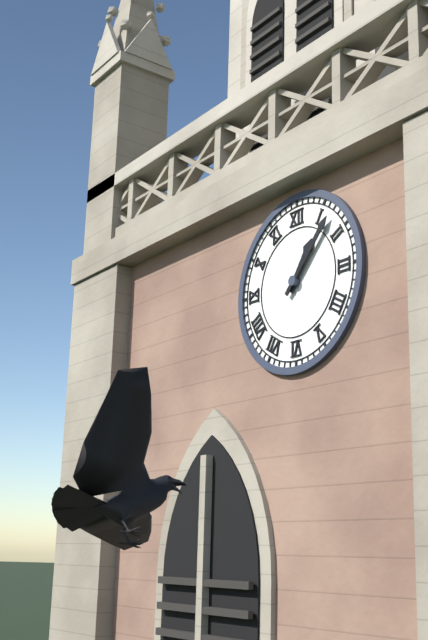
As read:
1:07
